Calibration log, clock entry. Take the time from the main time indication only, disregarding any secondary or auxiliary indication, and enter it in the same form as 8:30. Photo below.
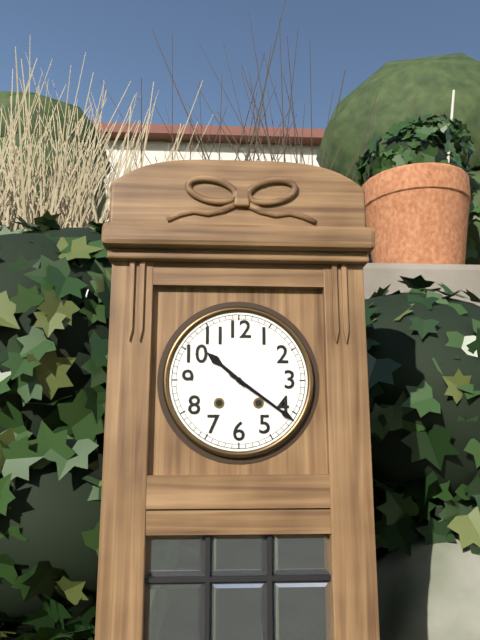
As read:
10:21
